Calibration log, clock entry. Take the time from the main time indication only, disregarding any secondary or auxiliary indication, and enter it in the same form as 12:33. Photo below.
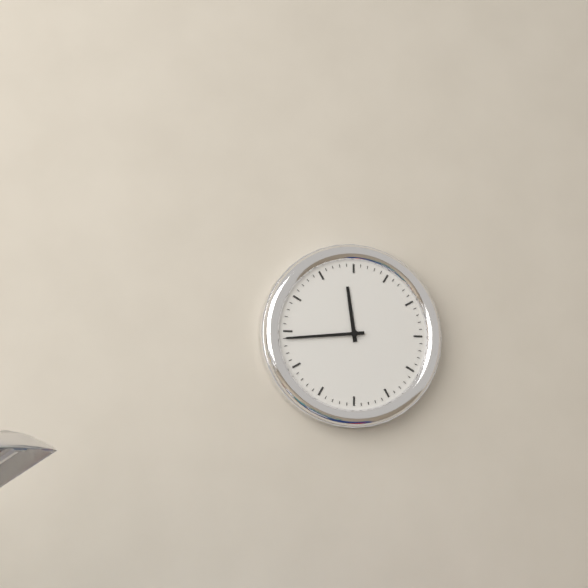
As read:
11:44
